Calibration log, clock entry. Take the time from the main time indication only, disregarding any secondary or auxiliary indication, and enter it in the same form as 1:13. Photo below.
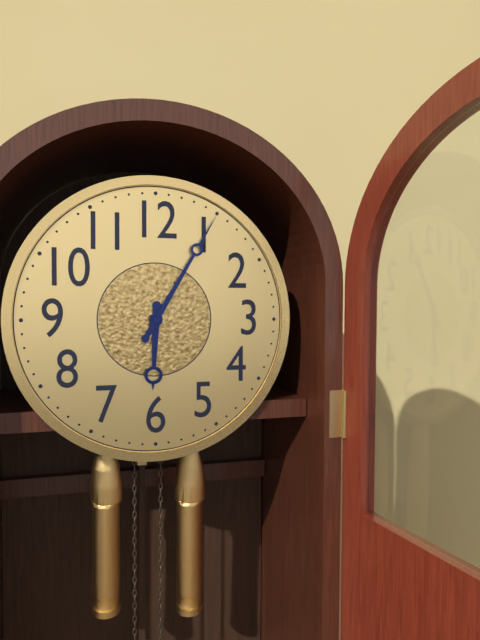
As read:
6:05
